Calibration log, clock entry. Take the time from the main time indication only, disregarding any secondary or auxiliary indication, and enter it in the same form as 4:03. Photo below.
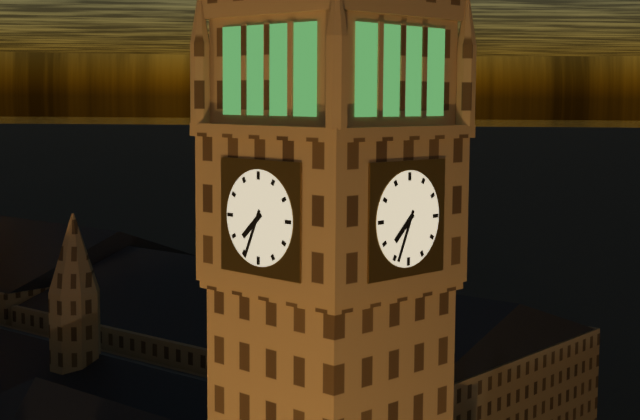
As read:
7:34
